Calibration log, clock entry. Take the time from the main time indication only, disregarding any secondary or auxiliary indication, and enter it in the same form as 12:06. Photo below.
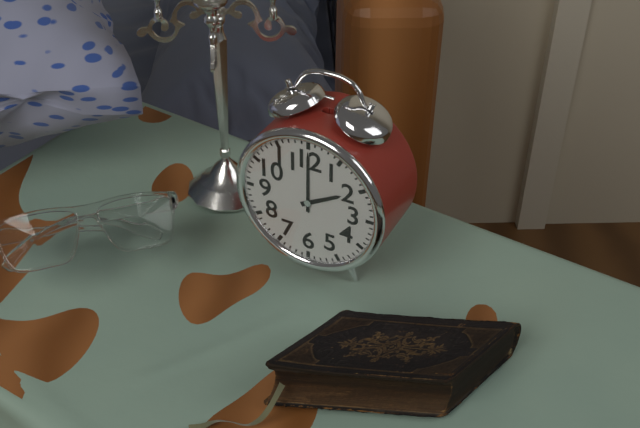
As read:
2:00
